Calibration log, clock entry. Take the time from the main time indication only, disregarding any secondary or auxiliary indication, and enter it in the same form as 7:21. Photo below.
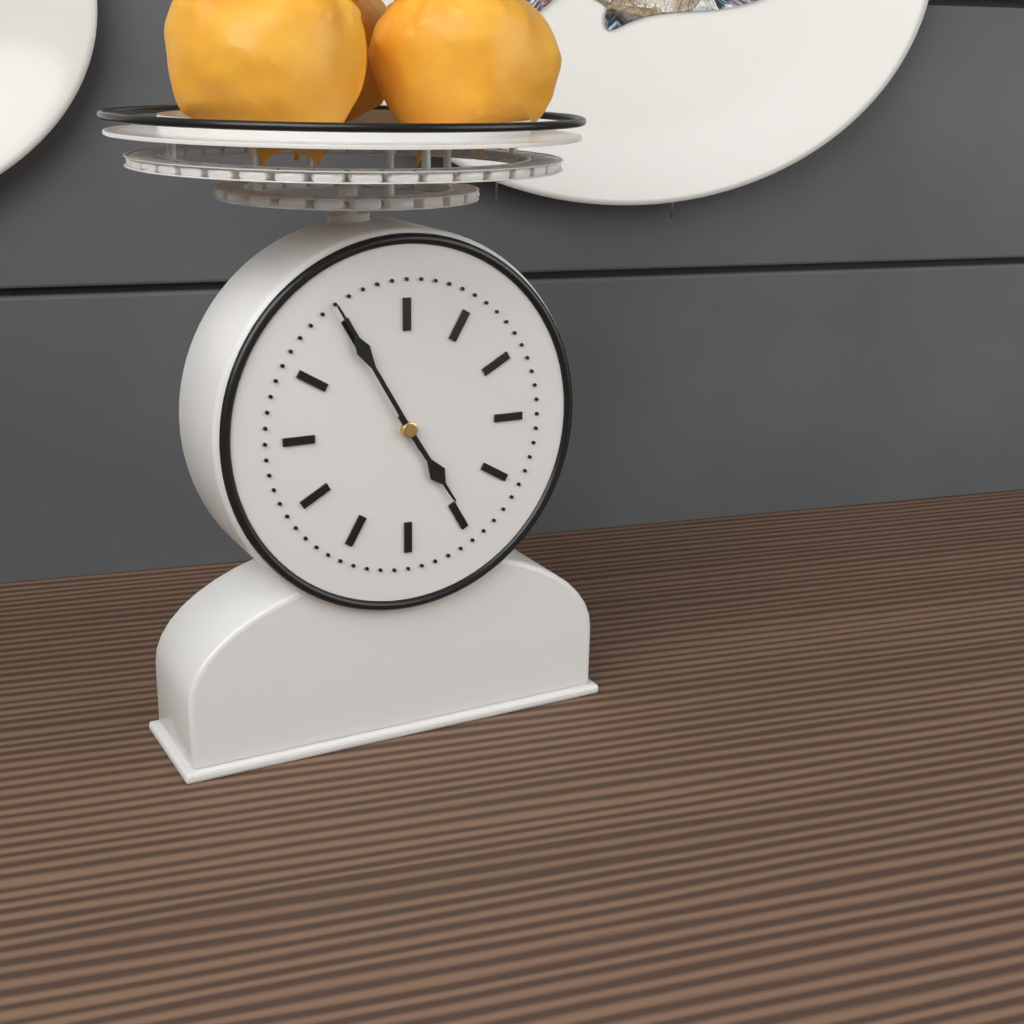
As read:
4:55
